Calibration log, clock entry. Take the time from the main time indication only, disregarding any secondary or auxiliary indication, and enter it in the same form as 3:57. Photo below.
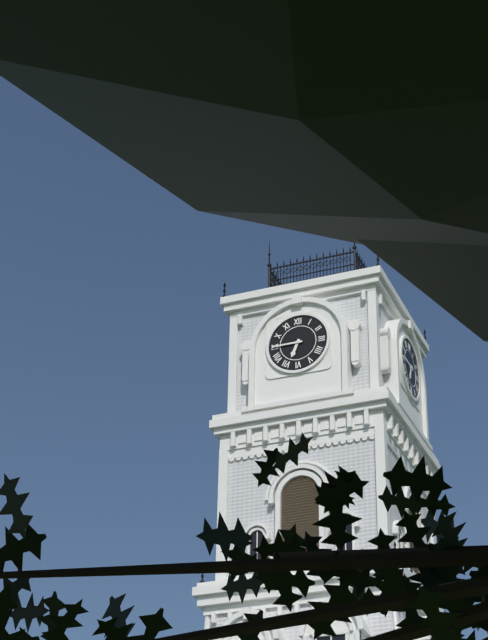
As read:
6:45
